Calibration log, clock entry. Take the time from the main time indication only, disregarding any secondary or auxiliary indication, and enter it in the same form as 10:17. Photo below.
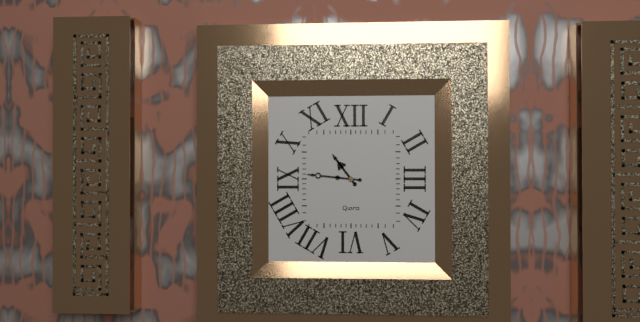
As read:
10:46
